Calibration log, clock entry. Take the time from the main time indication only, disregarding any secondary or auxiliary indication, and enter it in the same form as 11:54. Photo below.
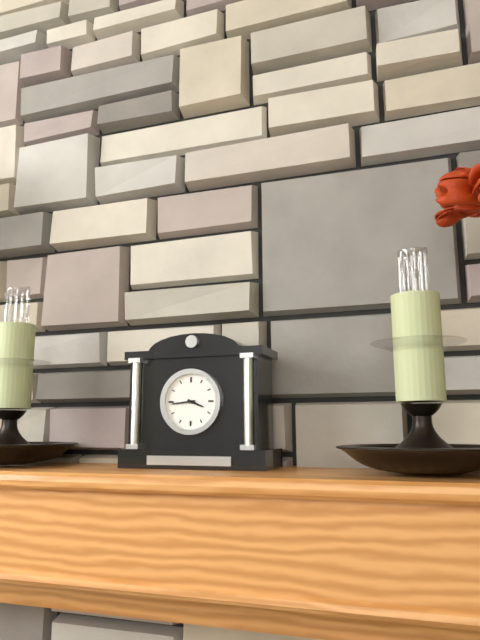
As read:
3:44
